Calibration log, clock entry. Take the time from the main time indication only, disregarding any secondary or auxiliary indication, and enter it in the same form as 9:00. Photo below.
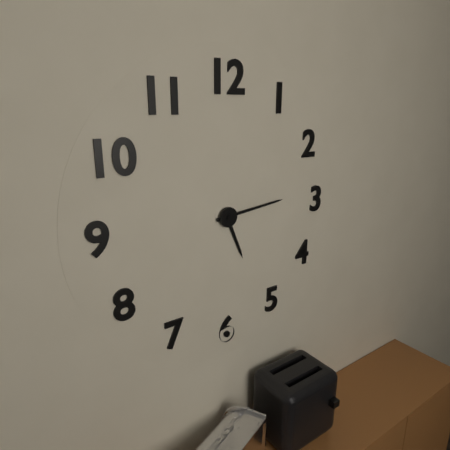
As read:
5:14
